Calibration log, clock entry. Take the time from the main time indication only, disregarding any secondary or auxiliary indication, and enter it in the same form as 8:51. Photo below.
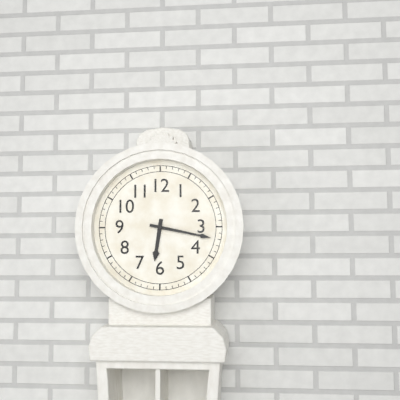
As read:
6:17
